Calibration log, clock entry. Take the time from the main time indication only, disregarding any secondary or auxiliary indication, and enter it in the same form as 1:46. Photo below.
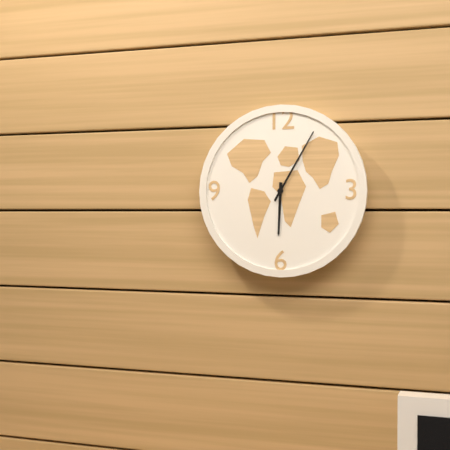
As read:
6:05
